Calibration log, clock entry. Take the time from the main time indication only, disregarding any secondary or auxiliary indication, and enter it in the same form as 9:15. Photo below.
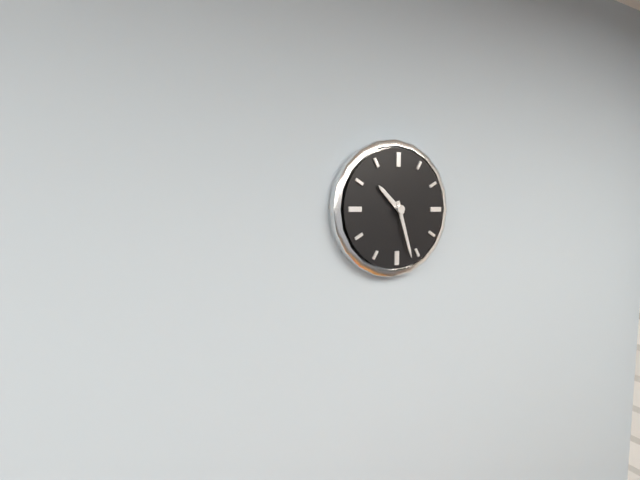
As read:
10:27
